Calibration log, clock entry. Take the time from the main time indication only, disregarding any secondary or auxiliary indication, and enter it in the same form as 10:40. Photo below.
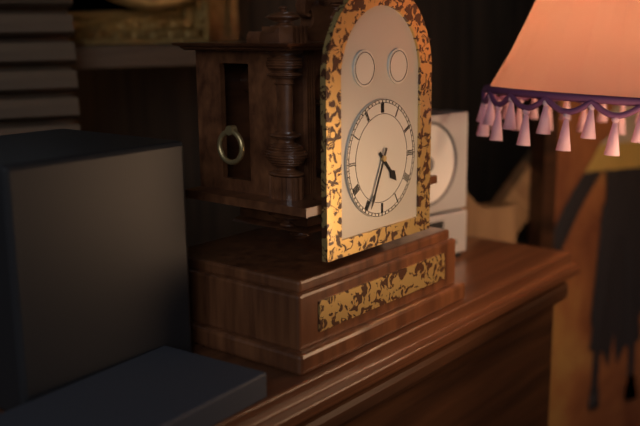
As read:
4:34
